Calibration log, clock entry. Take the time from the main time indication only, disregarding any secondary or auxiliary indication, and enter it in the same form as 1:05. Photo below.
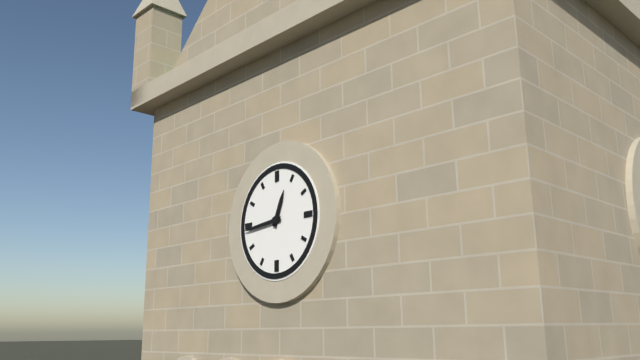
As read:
12:44
